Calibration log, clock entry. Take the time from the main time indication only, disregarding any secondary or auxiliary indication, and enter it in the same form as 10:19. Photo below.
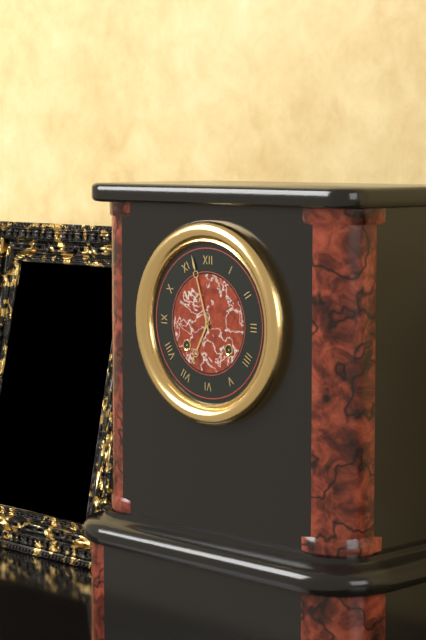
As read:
6:57
